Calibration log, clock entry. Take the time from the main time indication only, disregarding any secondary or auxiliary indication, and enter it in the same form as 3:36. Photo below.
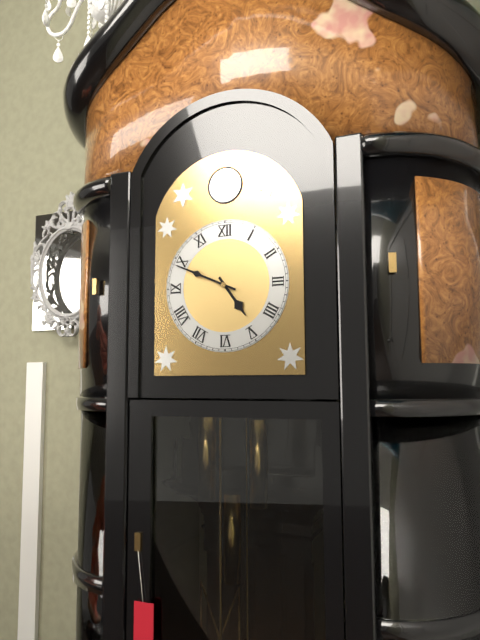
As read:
4:49
